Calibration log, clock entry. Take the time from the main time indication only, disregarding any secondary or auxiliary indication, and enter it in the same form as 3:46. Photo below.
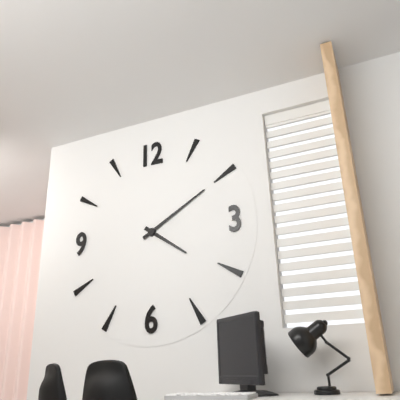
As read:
4:10
